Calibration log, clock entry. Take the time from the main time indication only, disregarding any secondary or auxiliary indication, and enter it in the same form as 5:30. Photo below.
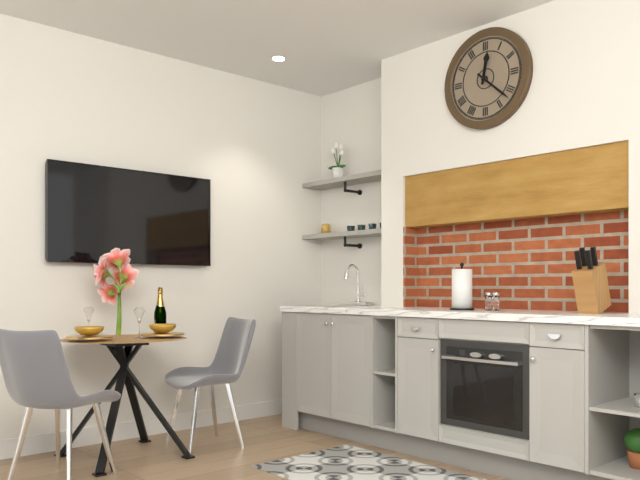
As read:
12:22
